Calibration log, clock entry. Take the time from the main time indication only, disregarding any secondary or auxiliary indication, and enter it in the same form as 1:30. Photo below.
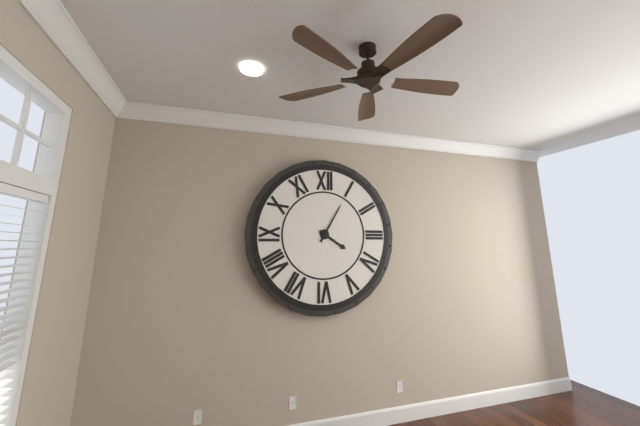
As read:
4:05
